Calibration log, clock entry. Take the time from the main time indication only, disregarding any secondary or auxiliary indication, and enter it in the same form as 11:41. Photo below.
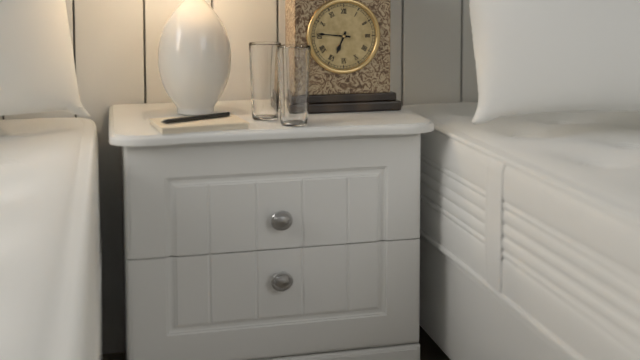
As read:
6:46
